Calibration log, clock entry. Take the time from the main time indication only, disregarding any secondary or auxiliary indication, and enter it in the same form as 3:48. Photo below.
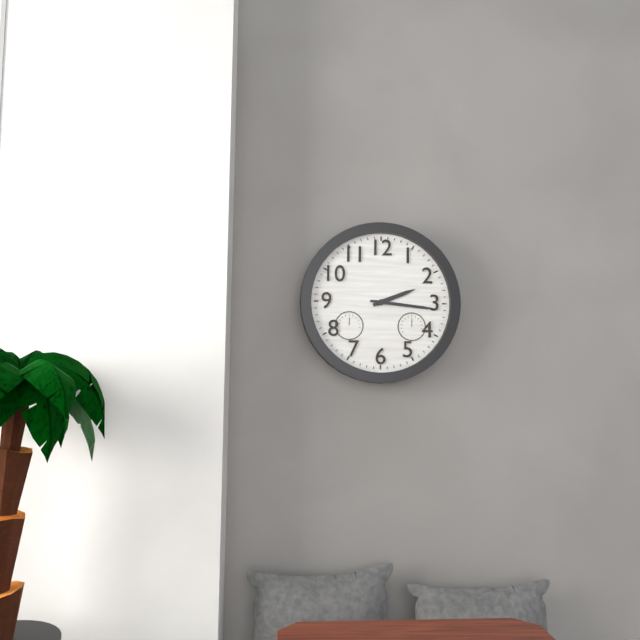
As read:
2:16
